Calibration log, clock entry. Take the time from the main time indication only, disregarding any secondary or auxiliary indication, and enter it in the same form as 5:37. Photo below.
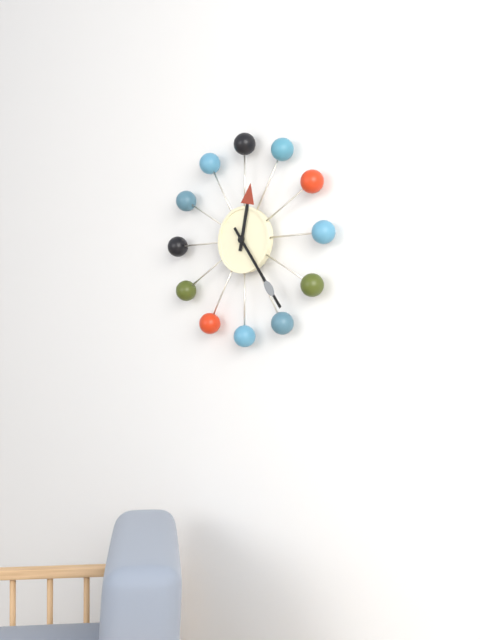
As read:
12:24
